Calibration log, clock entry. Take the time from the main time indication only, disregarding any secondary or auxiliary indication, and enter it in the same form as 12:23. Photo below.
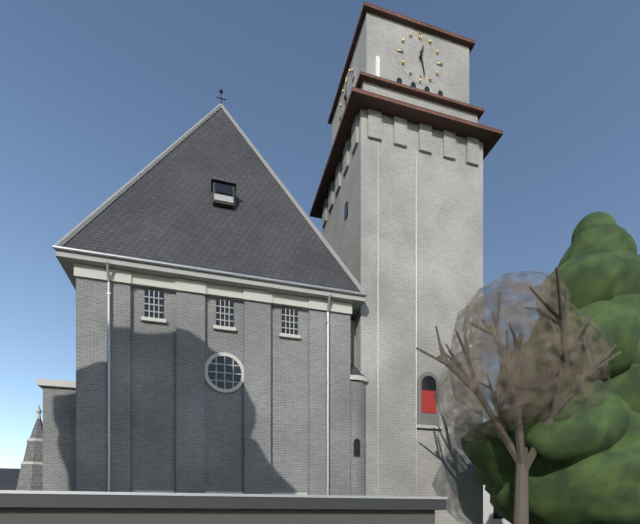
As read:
12:28
